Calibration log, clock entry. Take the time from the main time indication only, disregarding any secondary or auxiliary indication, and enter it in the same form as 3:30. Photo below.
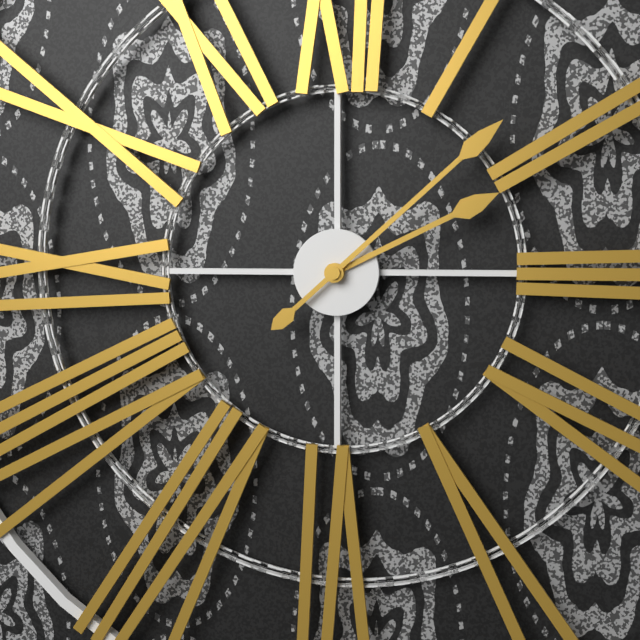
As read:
2:08
